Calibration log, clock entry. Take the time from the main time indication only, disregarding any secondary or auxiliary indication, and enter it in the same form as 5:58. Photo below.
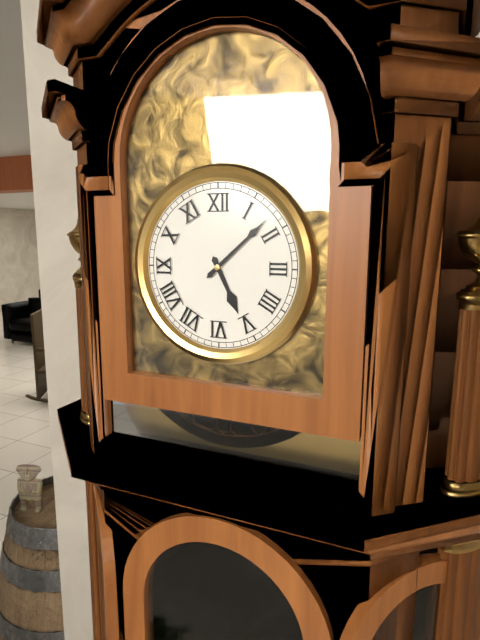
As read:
5:08
